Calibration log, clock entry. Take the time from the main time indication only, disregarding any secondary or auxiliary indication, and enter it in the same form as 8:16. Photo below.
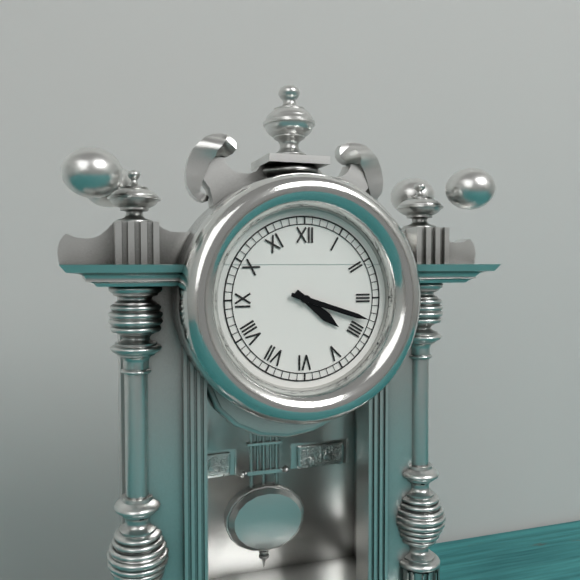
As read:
4:18
